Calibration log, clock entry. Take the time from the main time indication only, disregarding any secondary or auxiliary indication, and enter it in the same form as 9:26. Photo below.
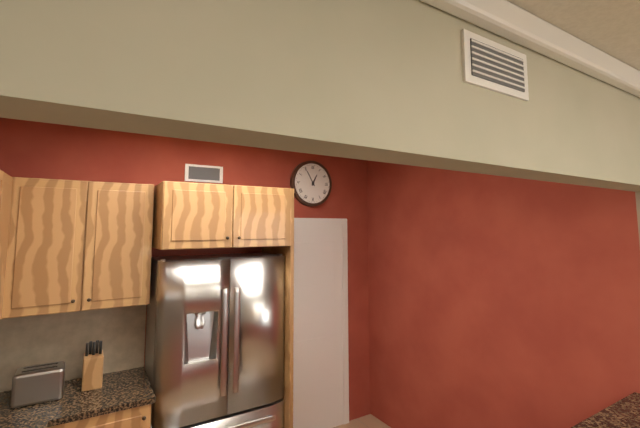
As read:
12:55
